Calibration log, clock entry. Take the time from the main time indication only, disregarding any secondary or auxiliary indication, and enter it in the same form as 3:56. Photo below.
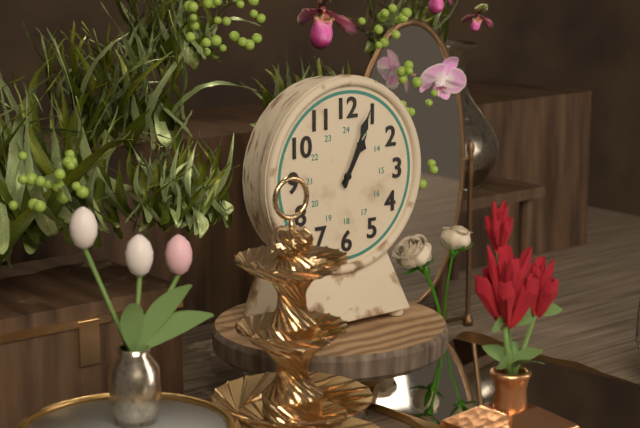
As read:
1:04
